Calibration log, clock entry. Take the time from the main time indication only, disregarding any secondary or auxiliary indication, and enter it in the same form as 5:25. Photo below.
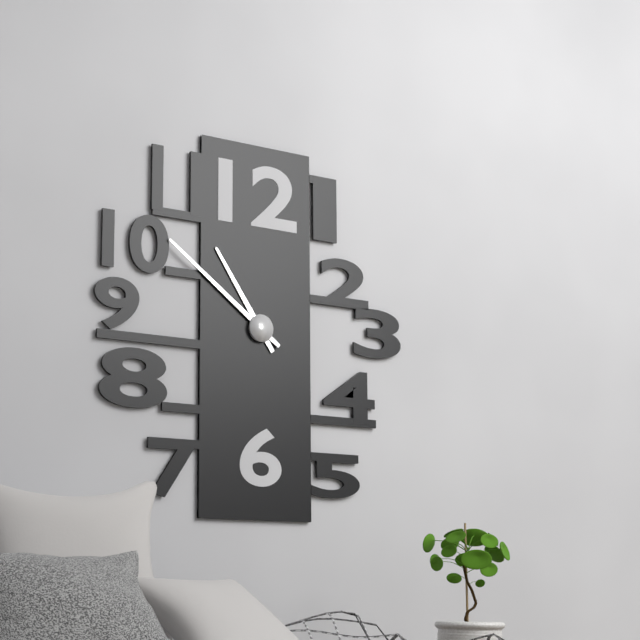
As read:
10:51
